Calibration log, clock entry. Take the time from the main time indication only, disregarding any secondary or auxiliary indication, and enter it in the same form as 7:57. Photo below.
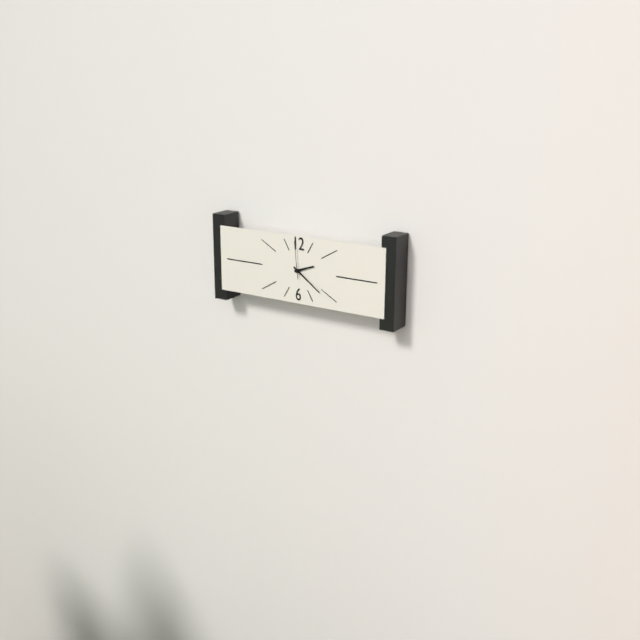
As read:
2:21
